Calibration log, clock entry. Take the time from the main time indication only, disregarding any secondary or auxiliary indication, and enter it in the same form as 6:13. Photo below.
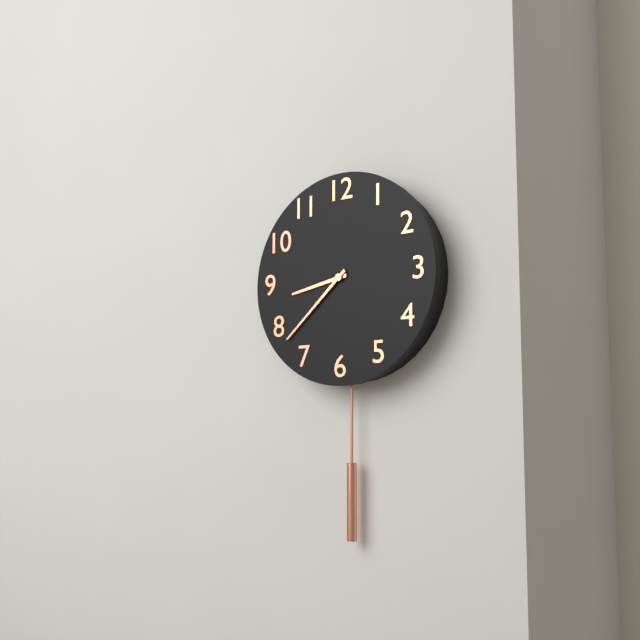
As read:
8:38
